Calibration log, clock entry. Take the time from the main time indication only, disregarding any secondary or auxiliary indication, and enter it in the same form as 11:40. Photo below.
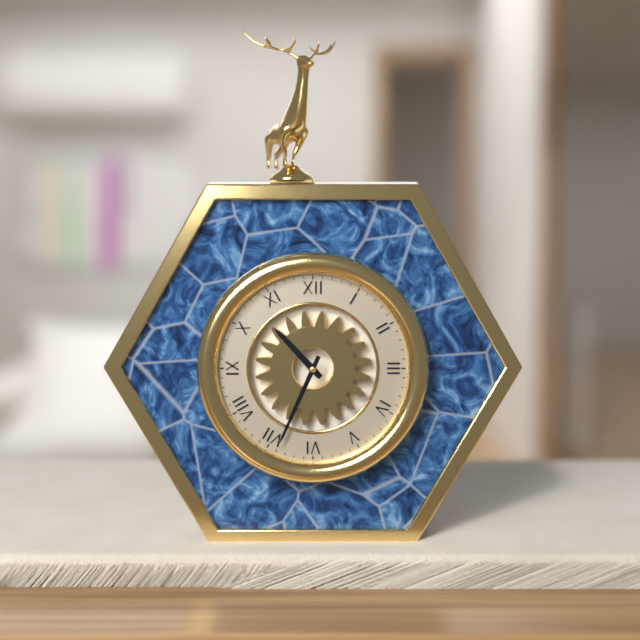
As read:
10:34
